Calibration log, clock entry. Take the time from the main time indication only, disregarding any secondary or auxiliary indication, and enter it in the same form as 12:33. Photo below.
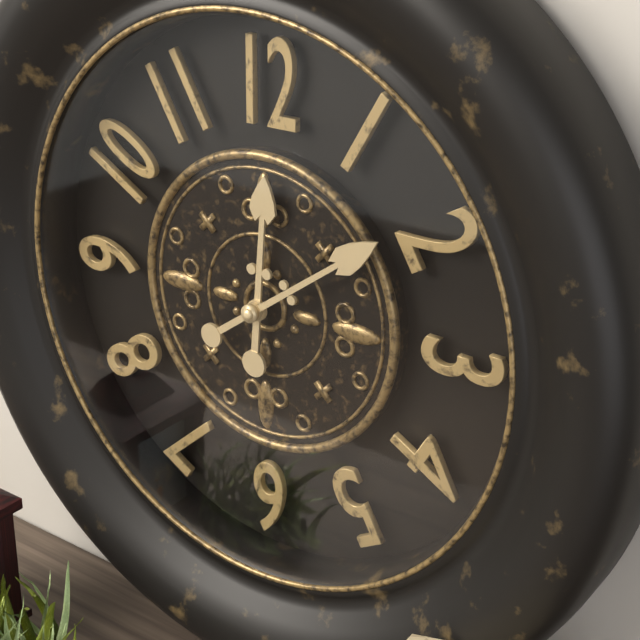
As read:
12:09
